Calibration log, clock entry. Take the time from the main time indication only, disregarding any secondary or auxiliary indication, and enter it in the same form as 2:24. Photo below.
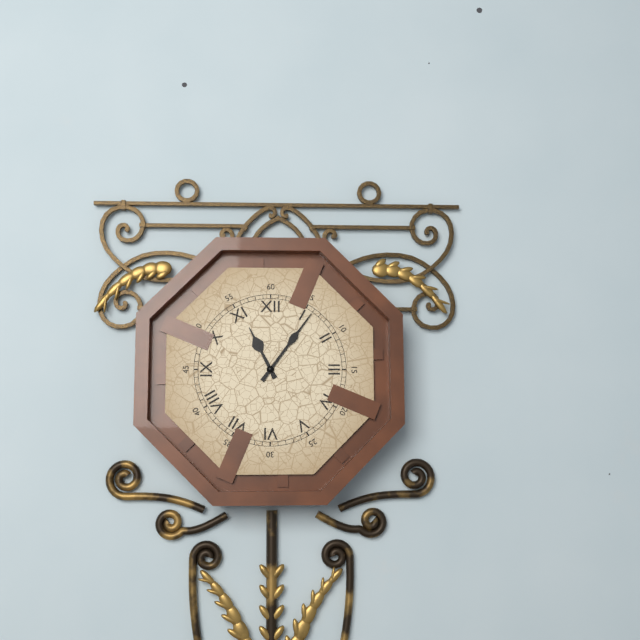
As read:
11:06
